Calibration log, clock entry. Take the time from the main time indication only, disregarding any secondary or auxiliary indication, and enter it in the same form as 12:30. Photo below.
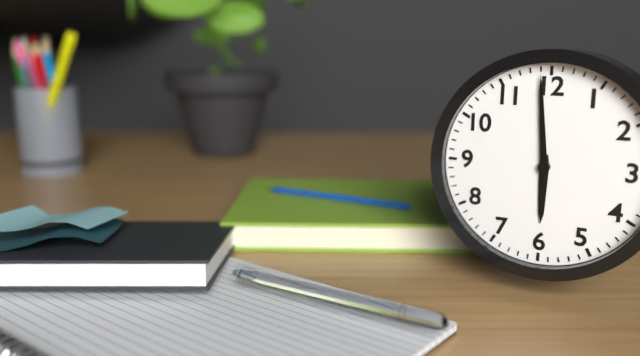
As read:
5:59
